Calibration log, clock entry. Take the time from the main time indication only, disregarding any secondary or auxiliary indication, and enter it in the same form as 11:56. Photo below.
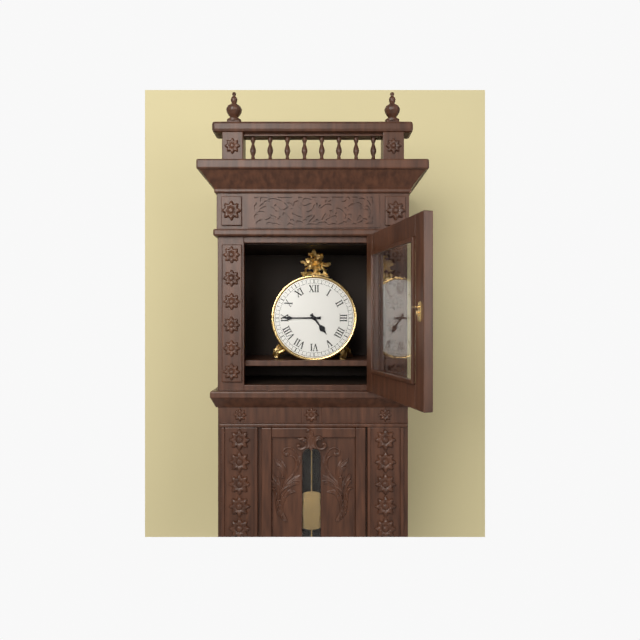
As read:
4:45
